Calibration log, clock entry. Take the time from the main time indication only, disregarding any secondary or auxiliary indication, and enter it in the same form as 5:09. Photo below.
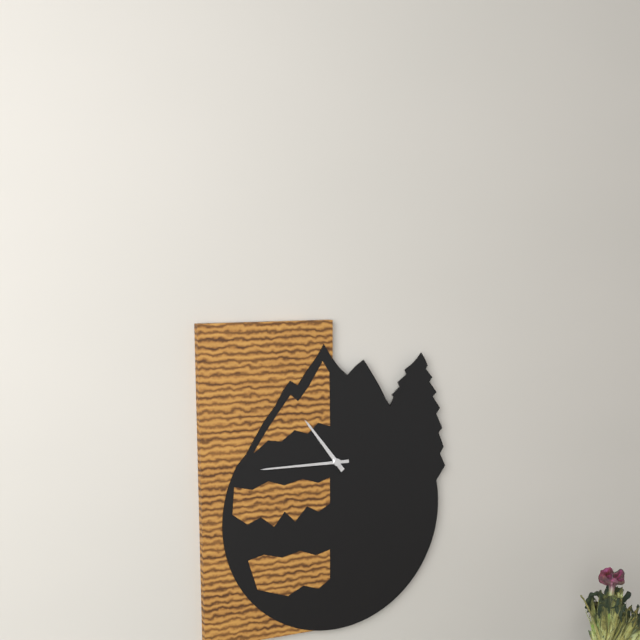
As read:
10:45
